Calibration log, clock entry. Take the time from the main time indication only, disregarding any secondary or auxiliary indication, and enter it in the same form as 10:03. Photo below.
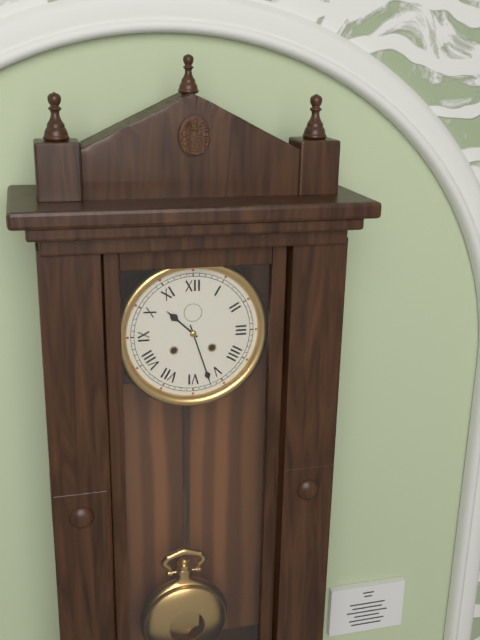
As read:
10:27
